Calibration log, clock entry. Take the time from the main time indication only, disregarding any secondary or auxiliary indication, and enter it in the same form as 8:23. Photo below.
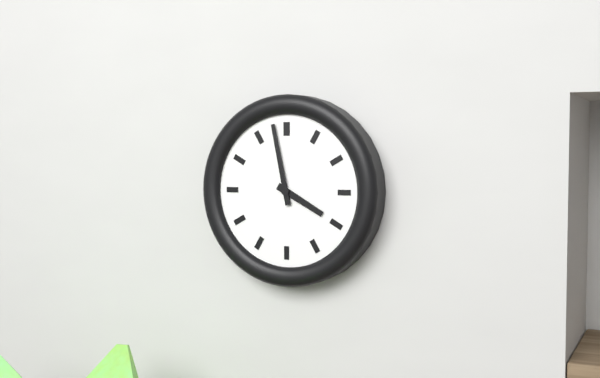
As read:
3:58
